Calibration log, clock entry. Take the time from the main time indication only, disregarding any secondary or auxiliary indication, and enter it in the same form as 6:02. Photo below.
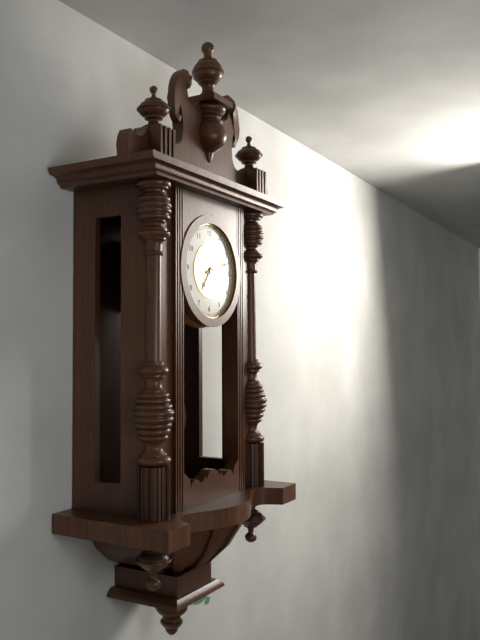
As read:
7:12
